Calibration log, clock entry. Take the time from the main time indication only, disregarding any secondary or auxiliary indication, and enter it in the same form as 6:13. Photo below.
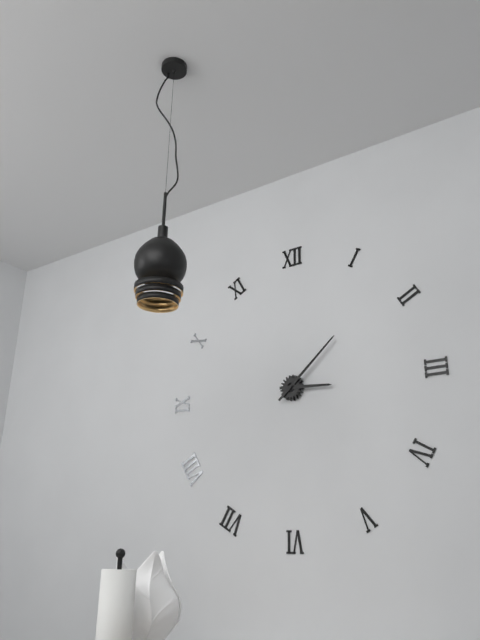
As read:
3:08
